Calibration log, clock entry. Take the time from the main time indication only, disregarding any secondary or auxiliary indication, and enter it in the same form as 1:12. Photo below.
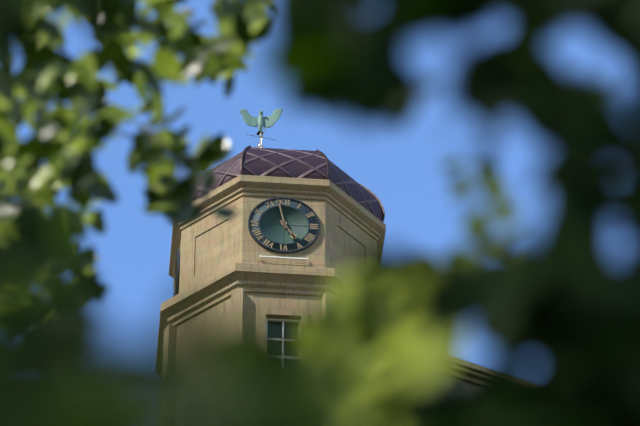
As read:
4:58
